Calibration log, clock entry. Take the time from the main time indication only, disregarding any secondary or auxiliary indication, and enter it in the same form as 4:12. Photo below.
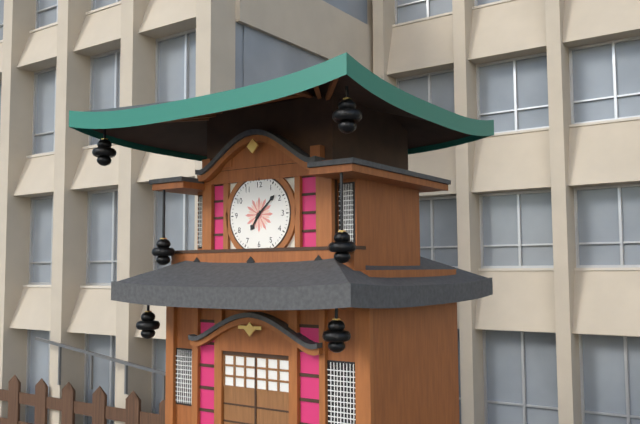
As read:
7:08
